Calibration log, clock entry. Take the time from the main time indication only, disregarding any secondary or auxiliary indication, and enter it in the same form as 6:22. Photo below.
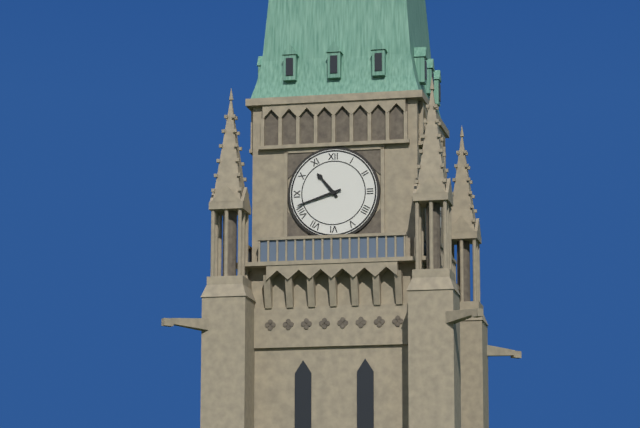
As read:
10:42
